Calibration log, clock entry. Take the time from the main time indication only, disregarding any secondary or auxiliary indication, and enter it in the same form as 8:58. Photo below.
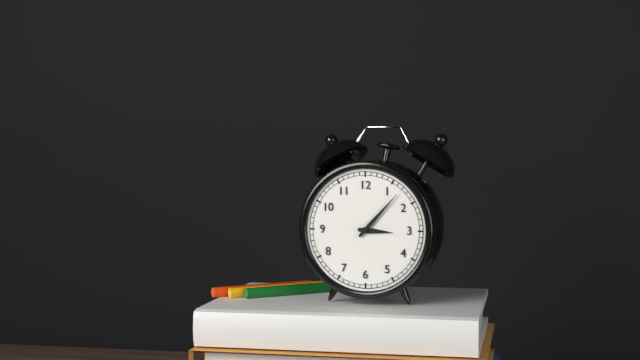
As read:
3:07
